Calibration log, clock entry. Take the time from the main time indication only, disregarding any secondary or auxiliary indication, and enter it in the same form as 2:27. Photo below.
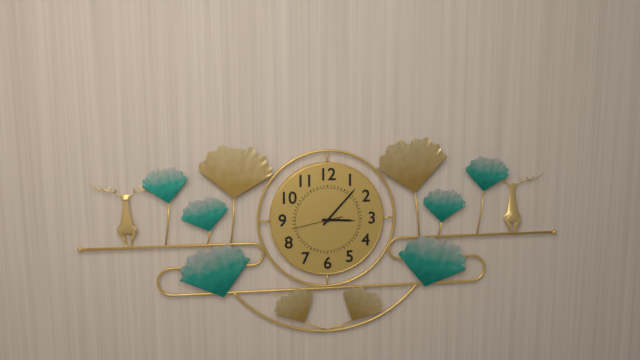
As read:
3:07
